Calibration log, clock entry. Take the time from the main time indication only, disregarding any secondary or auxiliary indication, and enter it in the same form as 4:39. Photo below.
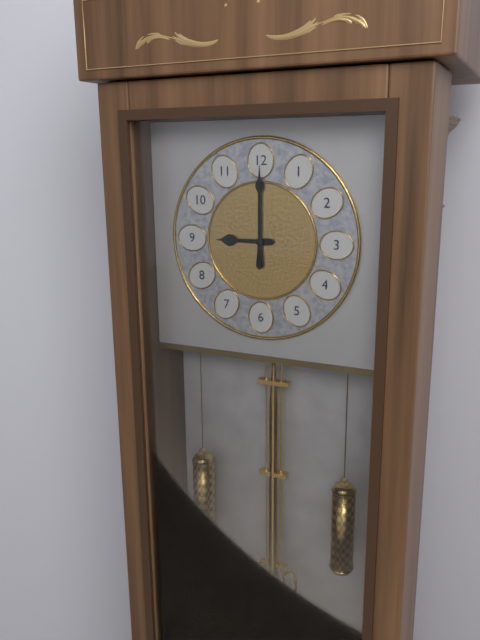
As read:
9:00
